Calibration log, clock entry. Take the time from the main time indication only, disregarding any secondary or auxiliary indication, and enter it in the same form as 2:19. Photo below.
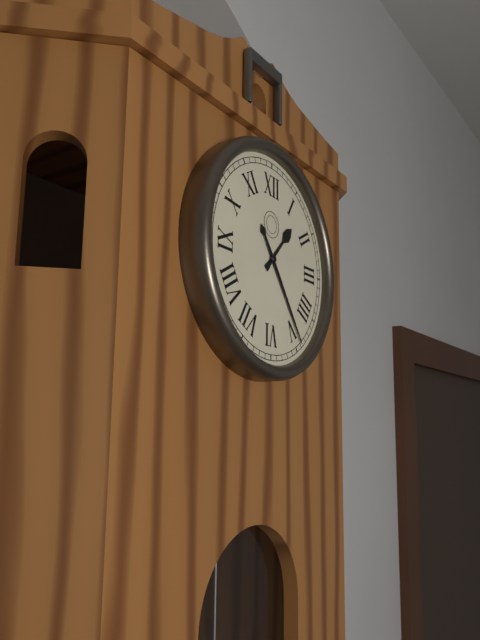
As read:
1:24
